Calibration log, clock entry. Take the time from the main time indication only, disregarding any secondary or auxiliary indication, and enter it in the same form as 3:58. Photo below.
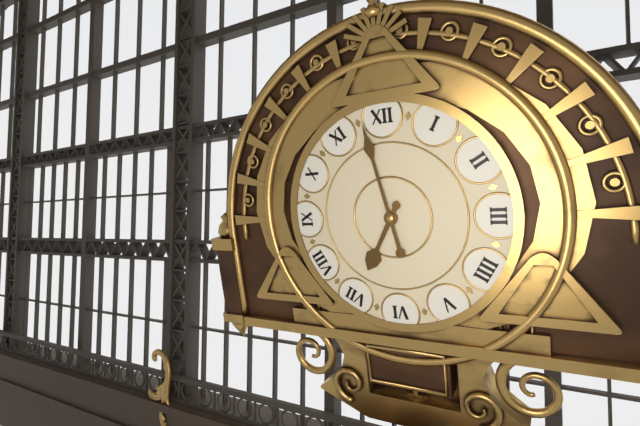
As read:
6:58
